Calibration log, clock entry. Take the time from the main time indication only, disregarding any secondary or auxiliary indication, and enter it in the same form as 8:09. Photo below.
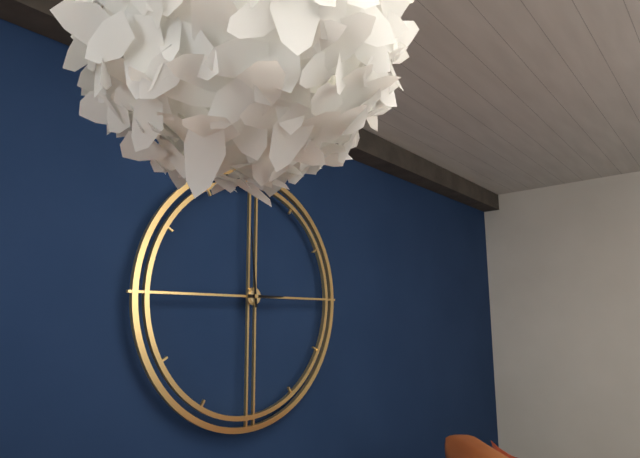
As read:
2:59
